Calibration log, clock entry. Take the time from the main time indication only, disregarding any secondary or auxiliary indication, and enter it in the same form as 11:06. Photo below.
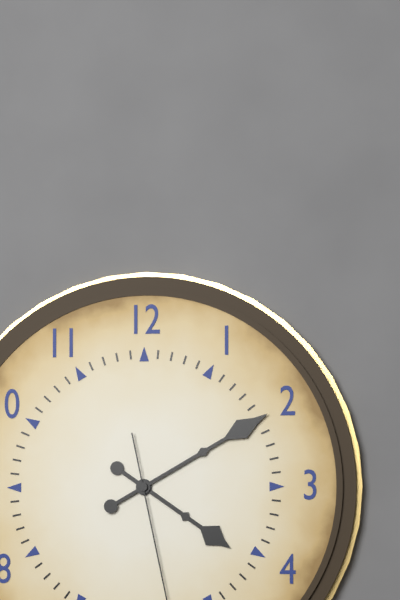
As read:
4:10
